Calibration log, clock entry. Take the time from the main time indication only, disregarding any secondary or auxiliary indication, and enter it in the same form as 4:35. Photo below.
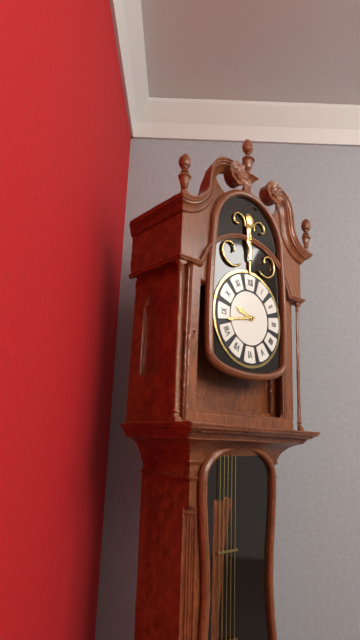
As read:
9:43
